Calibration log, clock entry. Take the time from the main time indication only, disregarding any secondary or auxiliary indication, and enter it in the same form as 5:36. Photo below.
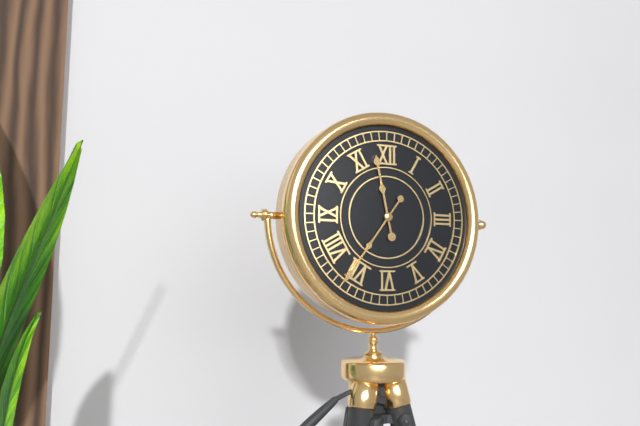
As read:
11:36
